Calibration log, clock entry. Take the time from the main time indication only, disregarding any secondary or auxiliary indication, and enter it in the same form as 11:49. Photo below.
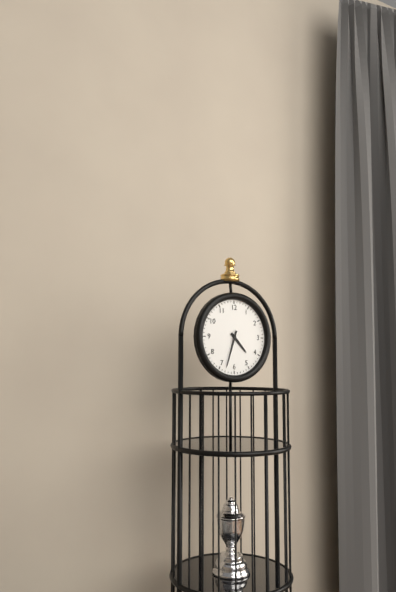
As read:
4:33
